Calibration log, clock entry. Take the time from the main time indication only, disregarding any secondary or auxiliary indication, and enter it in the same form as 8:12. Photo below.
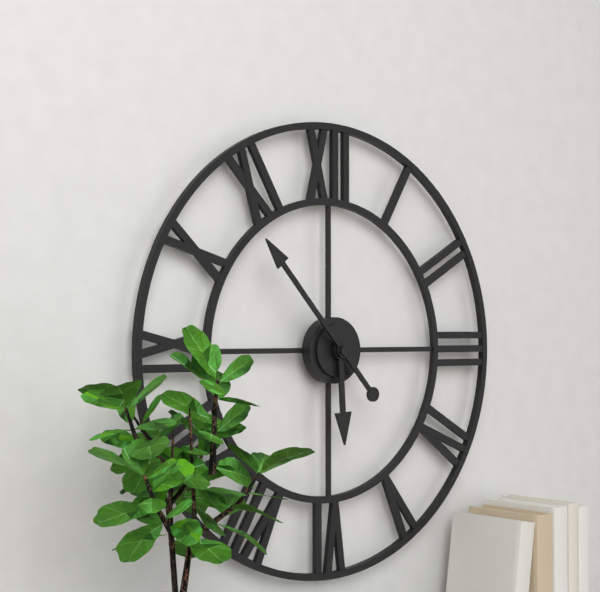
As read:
5:53
